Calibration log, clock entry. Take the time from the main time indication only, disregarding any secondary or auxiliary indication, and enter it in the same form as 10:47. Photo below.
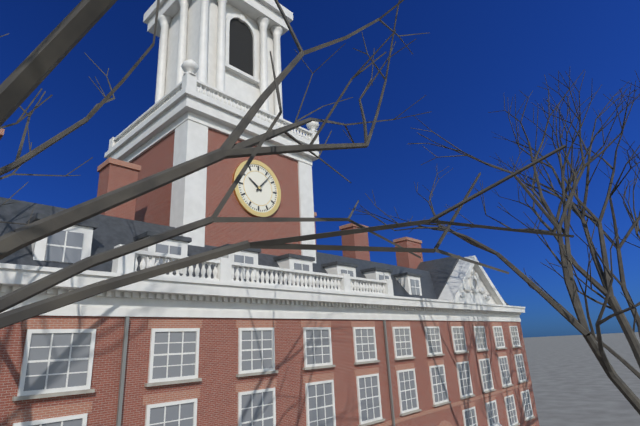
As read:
10:07
